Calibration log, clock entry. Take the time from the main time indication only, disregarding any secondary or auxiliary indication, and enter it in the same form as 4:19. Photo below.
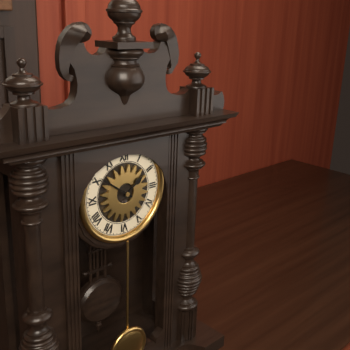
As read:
1:51
